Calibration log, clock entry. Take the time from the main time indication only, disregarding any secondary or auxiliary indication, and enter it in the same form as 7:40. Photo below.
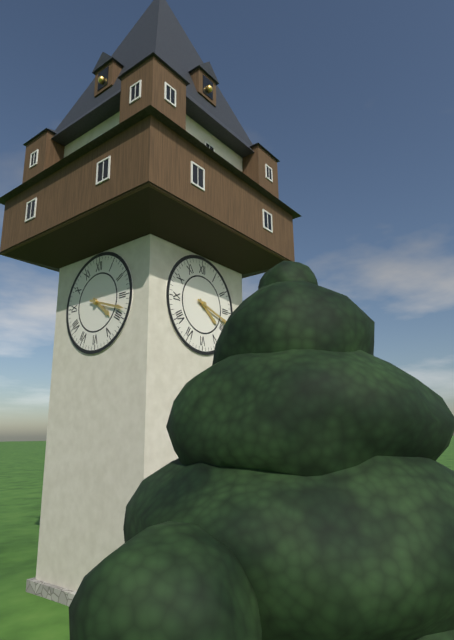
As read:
4:18
